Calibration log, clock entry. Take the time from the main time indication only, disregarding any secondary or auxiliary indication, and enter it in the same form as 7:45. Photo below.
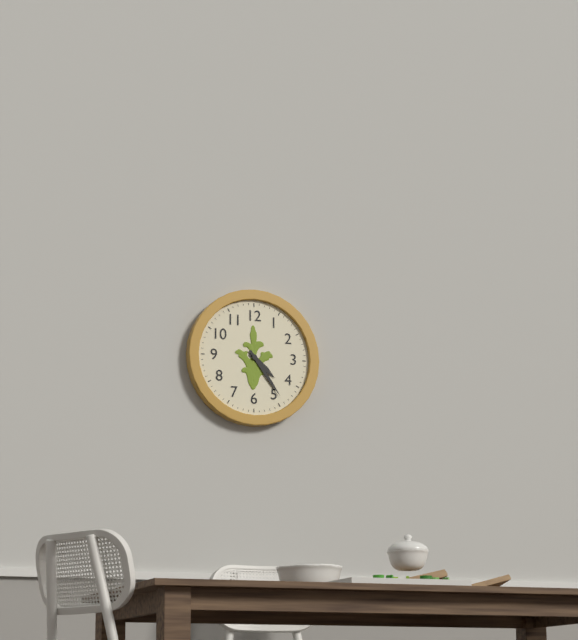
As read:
4:24
